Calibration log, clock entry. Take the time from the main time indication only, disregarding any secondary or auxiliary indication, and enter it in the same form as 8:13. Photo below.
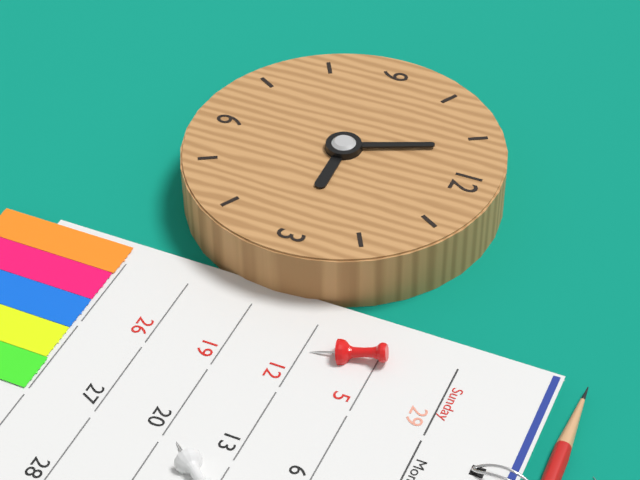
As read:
2:56
